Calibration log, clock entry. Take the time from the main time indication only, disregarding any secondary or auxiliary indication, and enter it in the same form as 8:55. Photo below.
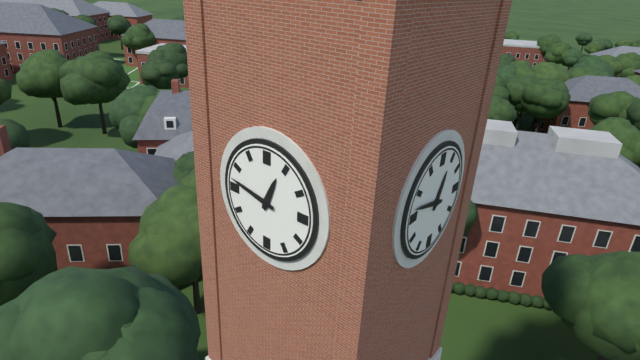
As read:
12:47
